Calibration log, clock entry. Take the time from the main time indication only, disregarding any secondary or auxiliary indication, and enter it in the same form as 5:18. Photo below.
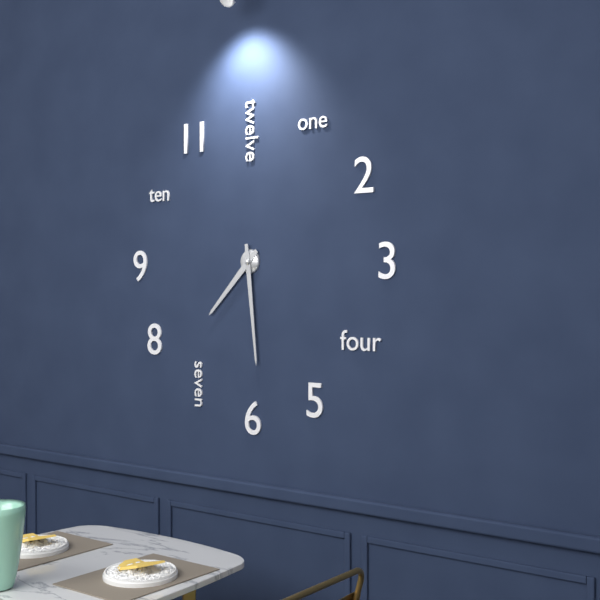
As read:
7:29
